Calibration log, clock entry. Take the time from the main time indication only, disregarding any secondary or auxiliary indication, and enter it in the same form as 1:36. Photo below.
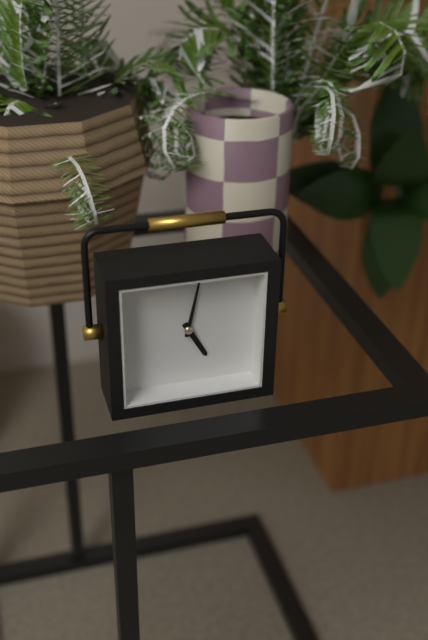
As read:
5:02
